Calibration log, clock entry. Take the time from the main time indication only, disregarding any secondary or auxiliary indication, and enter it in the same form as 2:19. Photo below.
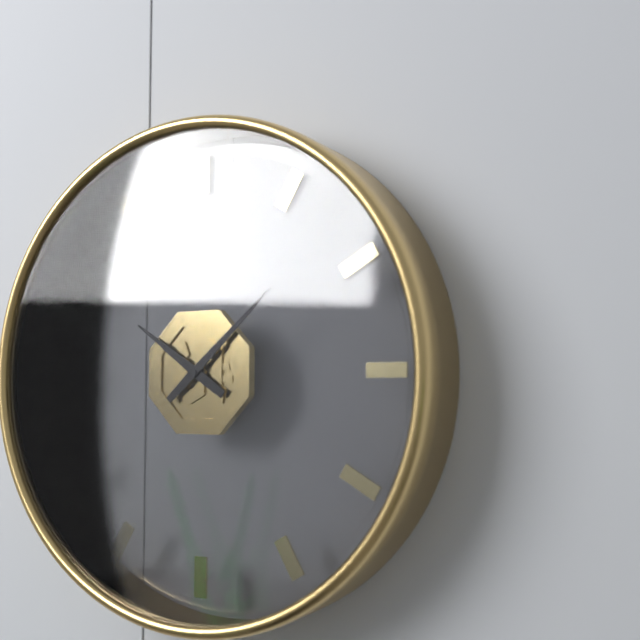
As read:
10:08
